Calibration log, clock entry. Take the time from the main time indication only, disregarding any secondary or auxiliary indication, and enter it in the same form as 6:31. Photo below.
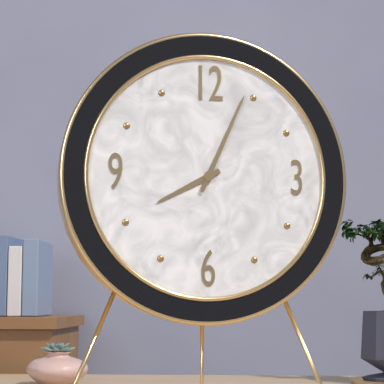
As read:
8:04
